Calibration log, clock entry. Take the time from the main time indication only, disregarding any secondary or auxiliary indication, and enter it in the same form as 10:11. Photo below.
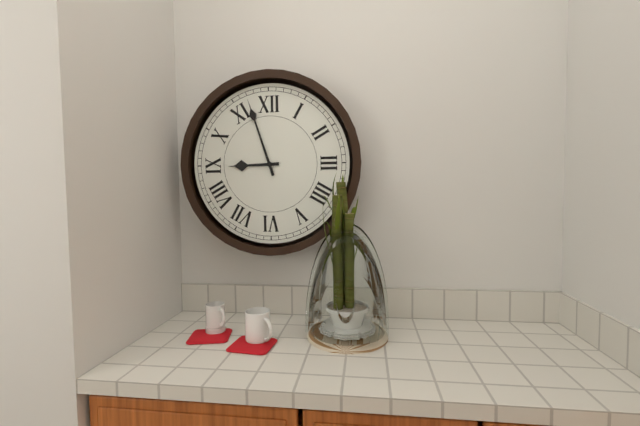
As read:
8:57
